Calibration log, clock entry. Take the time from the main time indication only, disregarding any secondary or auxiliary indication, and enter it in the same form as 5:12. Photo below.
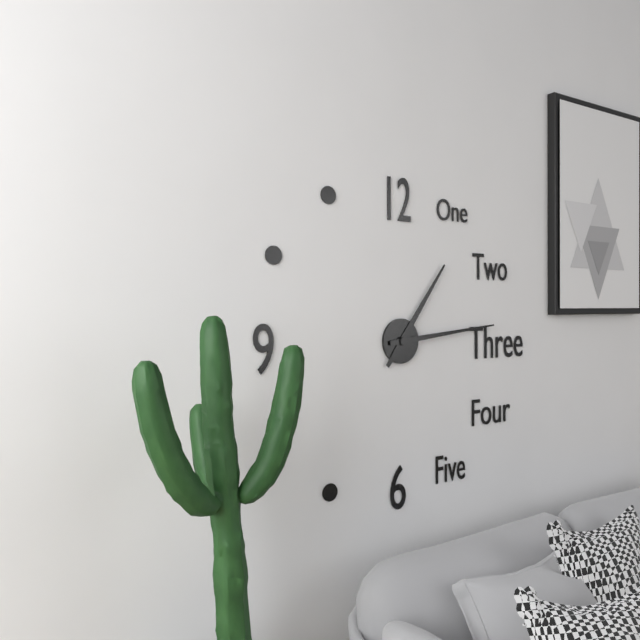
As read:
1:14
